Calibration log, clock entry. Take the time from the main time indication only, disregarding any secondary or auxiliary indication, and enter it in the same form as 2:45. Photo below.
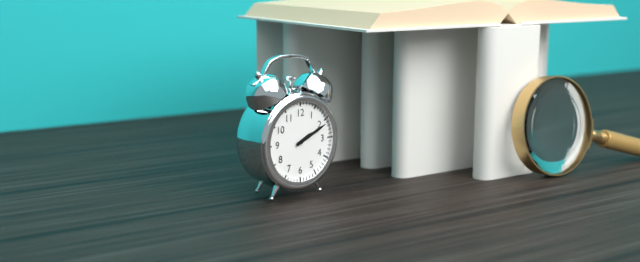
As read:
2:11
